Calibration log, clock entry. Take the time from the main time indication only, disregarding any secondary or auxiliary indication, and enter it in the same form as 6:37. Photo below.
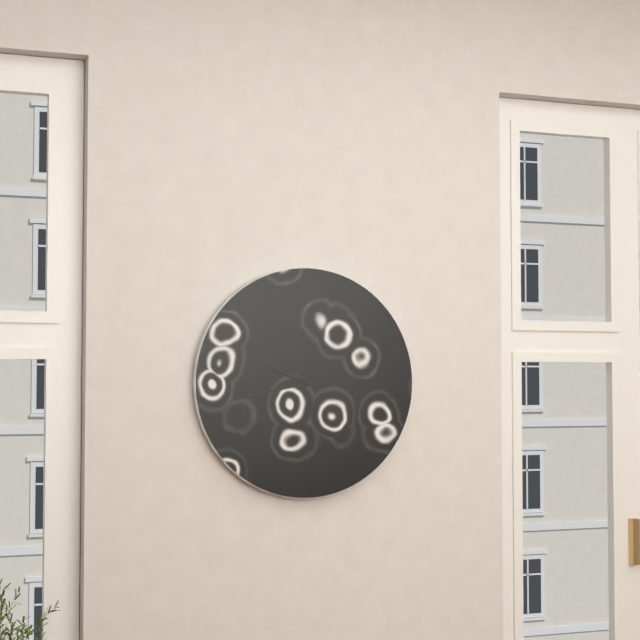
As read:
9:43
